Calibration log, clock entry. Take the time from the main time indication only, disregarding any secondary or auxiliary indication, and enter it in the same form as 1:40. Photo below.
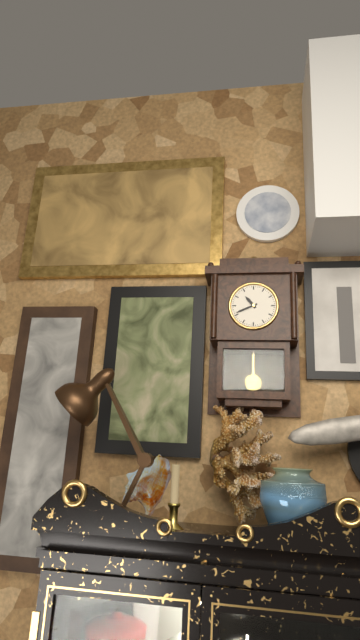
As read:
10:41
